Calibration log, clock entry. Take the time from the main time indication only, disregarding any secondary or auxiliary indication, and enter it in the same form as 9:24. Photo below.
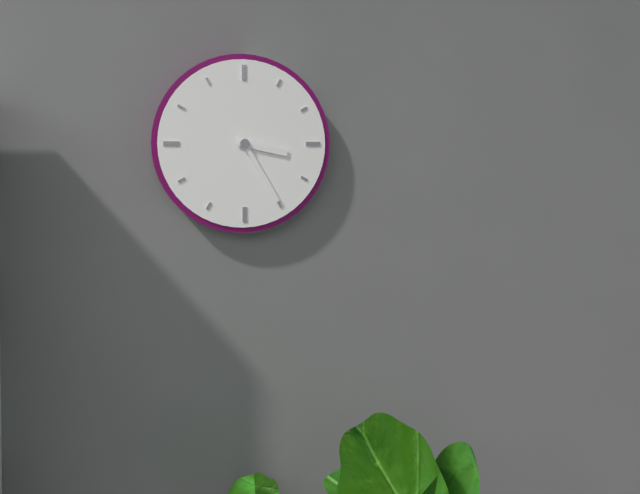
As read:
3:25
